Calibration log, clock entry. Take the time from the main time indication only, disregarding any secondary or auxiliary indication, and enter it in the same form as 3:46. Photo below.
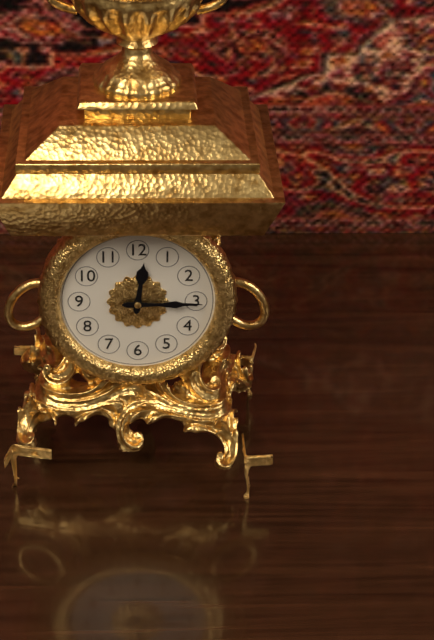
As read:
12:15
